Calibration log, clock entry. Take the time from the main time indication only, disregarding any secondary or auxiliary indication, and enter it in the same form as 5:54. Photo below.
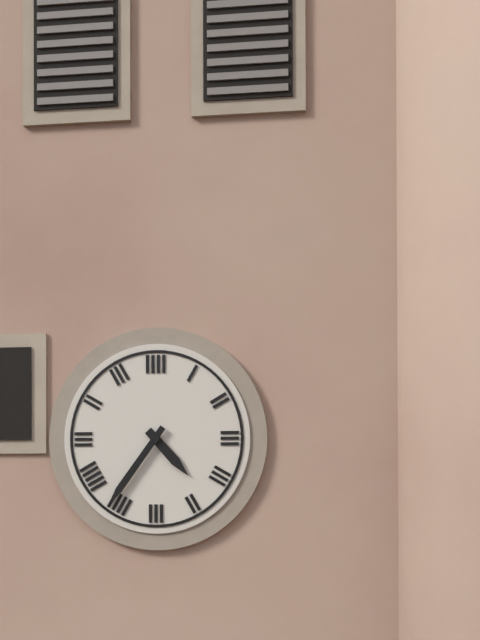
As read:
4:36
